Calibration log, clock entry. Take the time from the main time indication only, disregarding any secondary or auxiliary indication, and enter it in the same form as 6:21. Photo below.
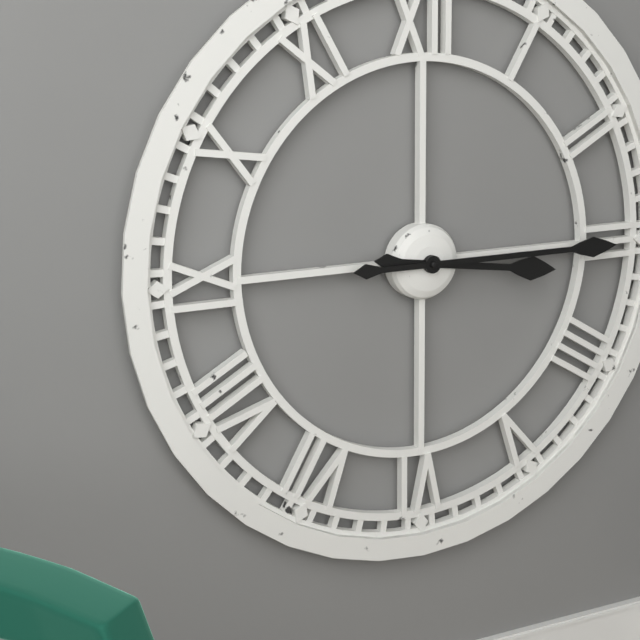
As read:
3:15
